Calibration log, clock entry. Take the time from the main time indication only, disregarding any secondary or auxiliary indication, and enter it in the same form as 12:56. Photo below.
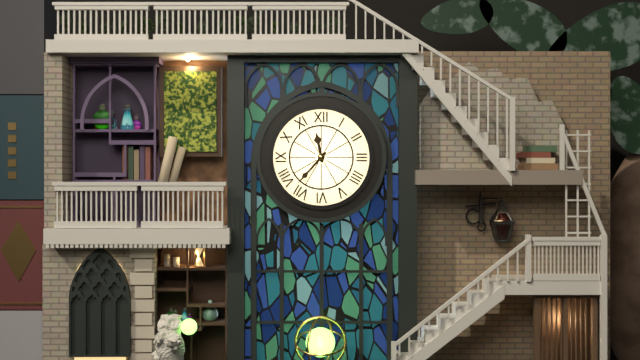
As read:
11:37
